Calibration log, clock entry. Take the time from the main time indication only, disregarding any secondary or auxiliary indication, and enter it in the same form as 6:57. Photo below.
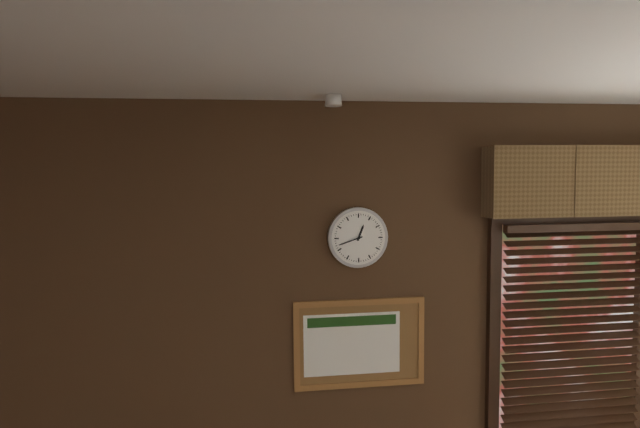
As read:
12:42
